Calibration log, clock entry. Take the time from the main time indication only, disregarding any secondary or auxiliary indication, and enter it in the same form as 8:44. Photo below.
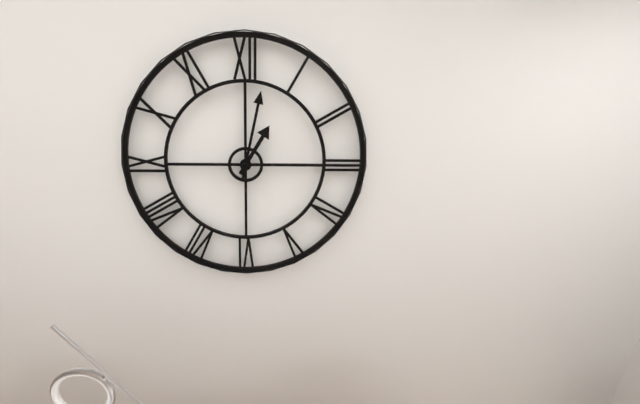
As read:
1:02
